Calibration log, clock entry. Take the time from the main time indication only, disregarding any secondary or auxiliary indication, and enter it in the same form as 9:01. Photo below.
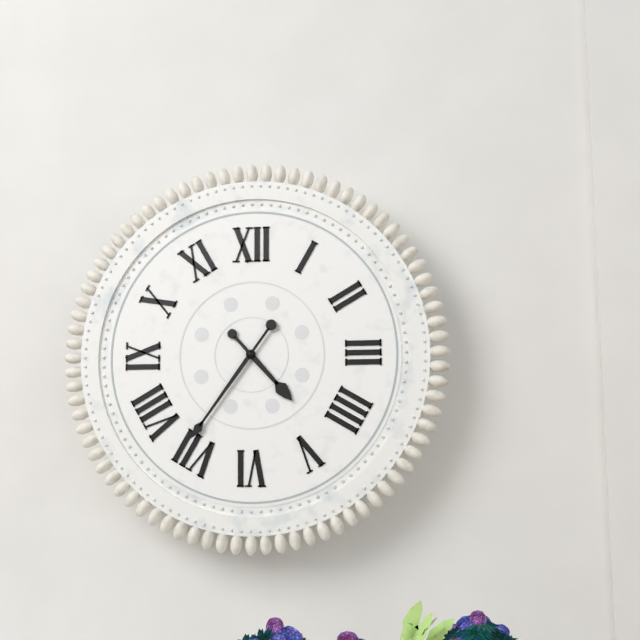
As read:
4:36
